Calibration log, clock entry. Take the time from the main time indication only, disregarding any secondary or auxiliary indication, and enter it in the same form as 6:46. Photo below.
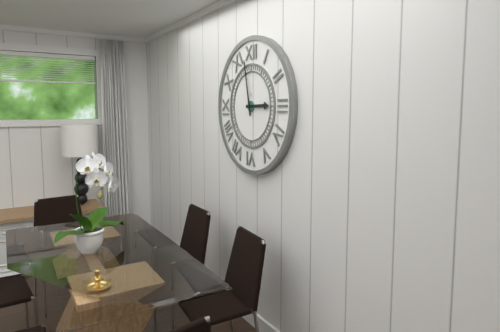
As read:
2:58
